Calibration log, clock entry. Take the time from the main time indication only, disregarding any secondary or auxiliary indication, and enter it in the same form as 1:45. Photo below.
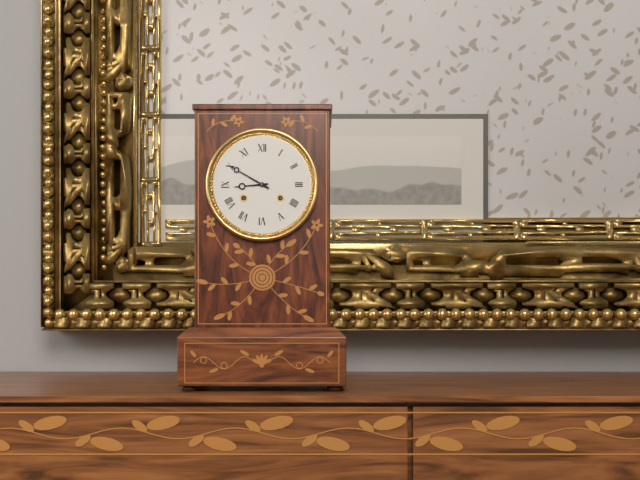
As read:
8:50
